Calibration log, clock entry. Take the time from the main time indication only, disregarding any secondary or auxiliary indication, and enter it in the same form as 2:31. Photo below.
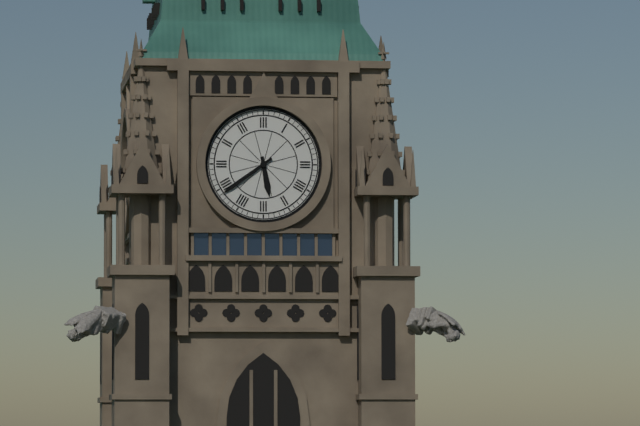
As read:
5:39
